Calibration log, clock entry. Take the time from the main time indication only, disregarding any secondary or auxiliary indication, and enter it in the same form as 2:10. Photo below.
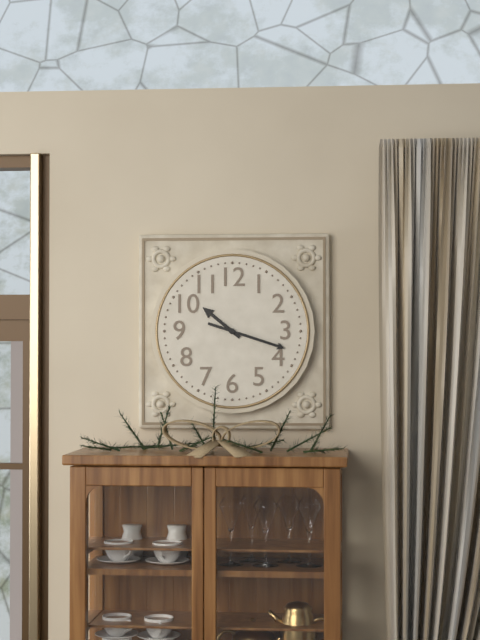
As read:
10:18
